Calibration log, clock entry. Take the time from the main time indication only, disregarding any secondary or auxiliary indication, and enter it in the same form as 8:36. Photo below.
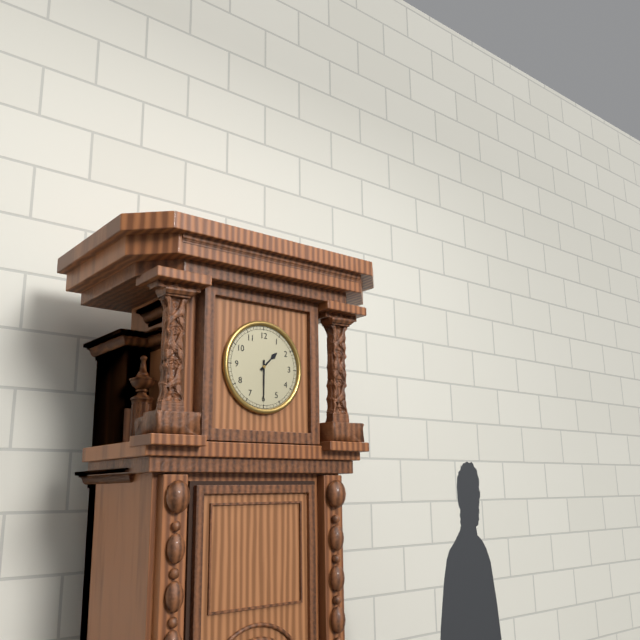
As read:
1:30
